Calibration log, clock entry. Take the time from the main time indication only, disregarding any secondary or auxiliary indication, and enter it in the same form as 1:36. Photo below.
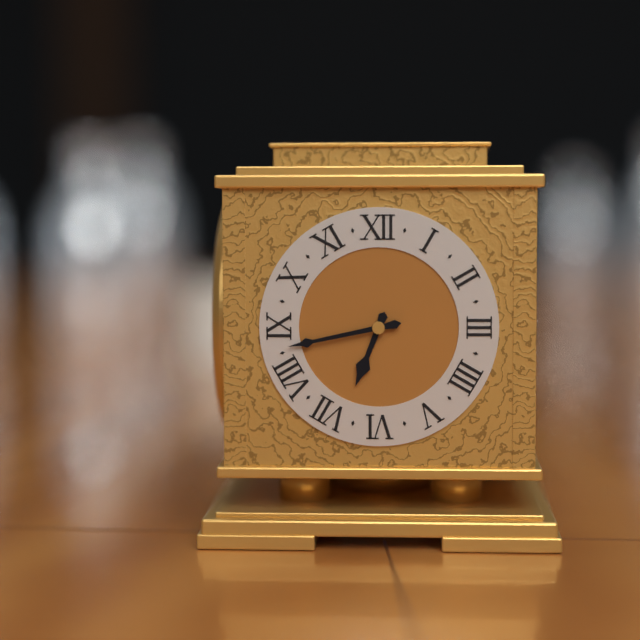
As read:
6:43
